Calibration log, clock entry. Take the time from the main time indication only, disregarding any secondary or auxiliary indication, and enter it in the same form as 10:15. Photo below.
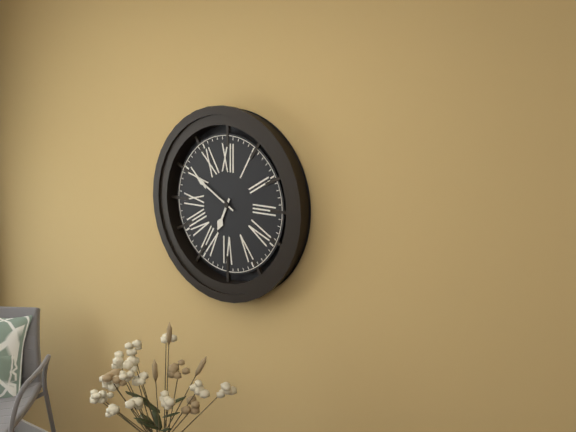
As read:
6:50
